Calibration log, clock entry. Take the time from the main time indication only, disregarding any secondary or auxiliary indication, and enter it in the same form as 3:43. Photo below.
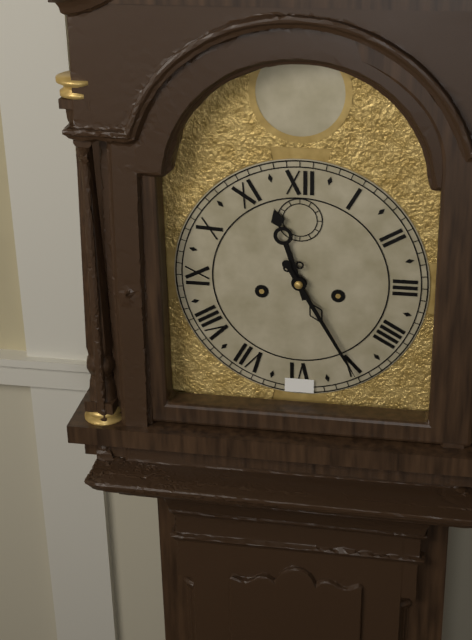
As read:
11:25
